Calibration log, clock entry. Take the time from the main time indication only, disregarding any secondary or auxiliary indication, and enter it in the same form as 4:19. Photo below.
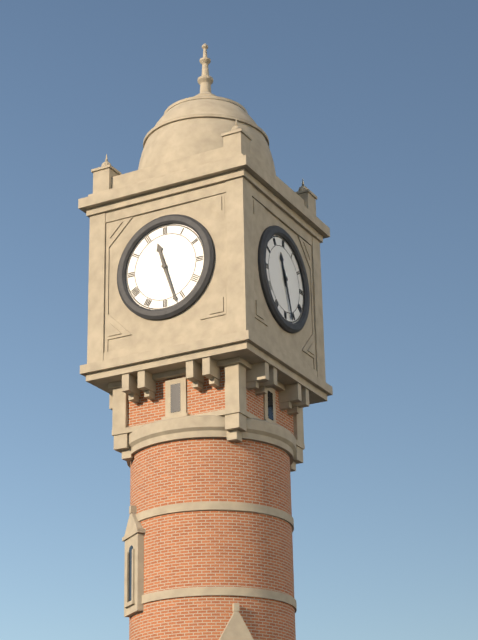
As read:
11:27
